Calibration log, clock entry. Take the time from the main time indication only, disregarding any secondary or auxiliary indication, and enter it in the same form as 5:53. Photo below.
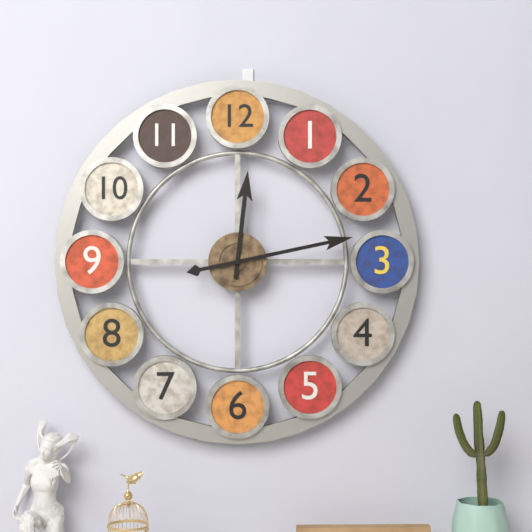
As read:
12:13
